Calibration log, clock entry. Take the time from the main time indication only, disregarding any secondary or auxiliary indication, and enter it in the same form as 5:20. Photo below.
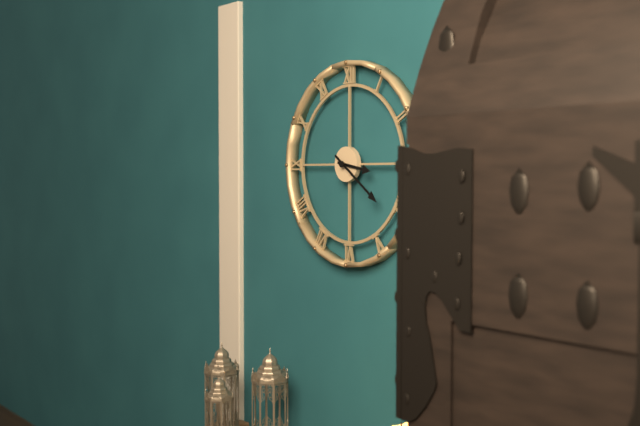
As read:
3:21
